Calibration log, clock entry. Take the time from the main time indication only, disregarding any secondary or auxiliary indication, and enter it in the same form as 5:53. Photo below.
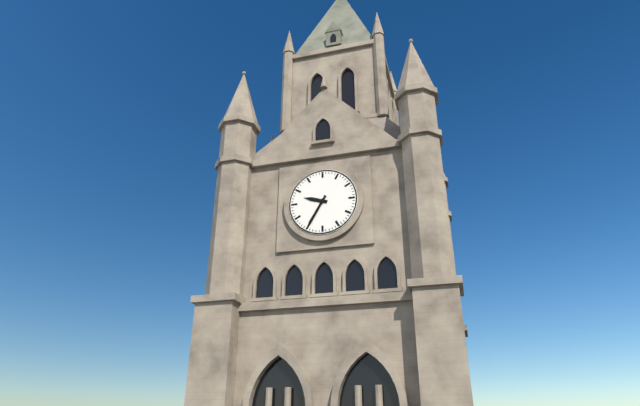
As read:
9:35
